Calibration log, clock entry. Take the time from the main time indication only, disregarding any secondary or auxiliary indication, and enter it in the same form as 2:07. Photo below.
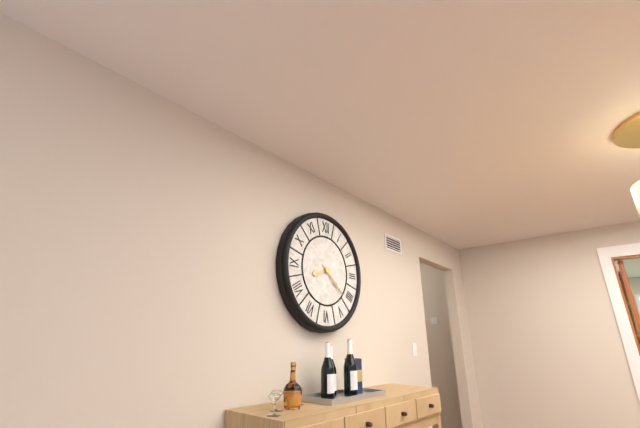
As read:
8:22
